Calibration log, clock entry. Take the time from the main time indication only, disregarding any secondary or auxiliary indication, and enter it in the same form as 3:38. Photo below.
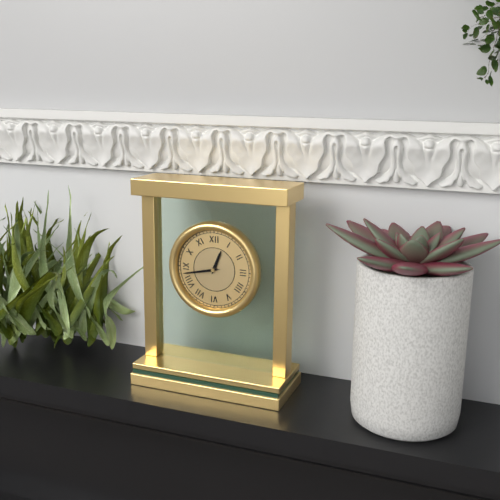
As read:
12:43
